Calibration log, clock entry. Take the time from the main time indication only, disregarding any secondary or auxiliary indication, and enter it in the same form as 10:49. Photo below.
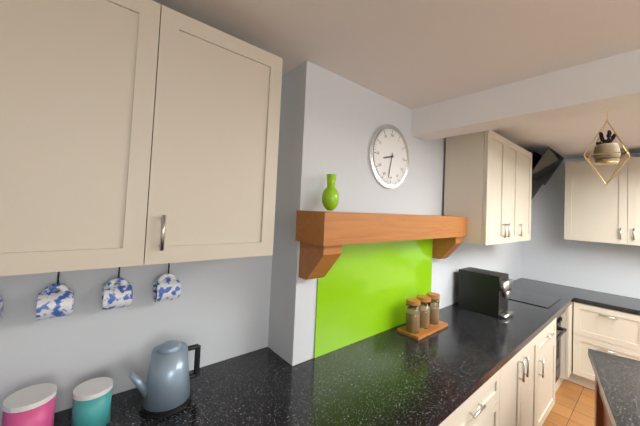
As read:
8:32
